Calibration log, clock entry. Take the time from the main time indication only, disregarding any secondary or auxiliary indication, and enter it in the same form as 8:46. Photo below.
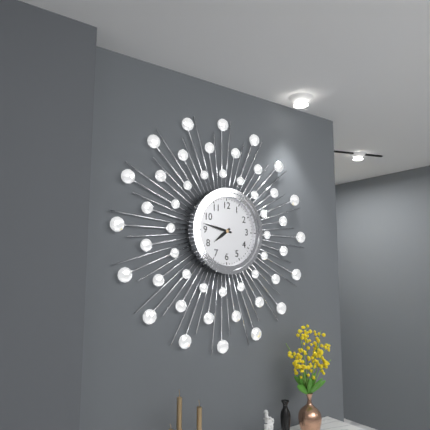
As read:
7:47
